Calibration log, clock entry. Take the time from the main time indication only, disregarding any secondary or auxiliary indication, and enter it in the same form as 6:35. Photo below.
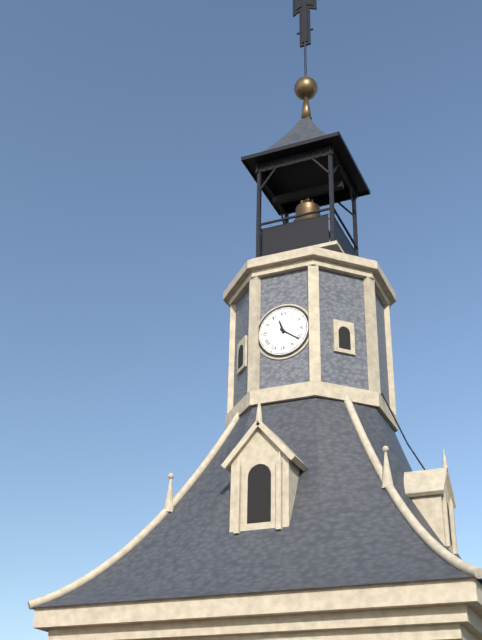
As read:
11:21
